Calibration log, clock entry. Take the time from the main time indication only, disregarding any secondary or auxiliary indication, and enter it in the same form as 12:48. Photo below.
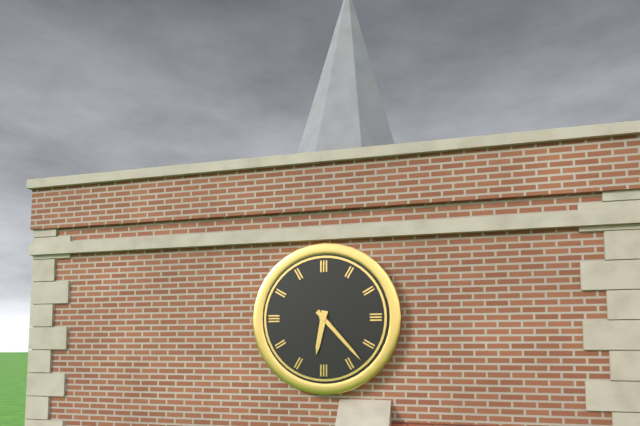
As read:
6:23
